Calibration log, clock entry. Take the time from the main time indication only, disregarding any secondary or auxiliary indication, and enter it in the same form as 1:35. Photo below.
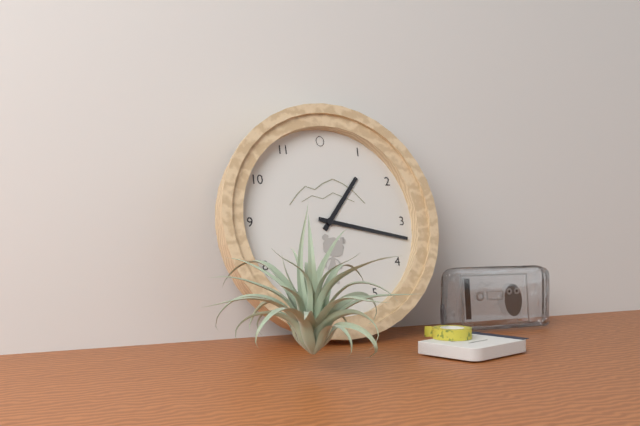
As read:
1:17
